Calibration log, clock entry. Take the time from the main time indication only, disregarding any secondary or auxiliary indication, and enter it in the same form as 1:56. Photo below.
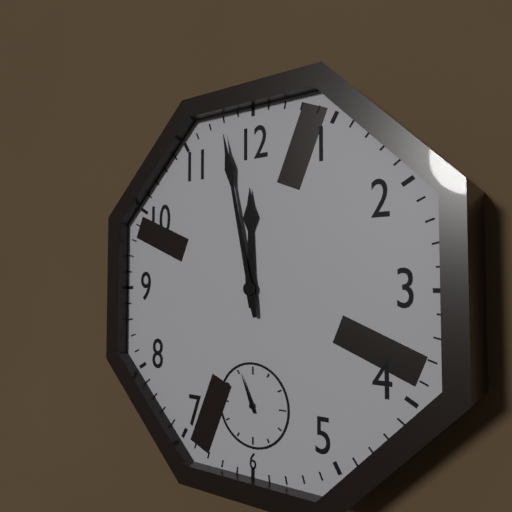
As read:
11:58
